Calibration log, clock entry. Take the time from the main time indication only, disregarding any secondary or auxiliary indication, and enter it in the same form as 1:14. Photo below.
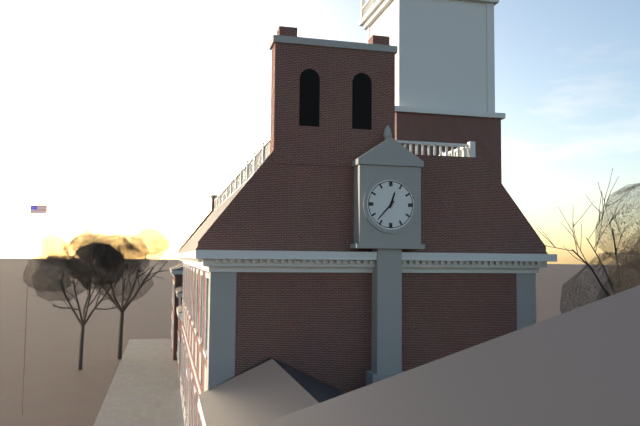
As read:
12:37
